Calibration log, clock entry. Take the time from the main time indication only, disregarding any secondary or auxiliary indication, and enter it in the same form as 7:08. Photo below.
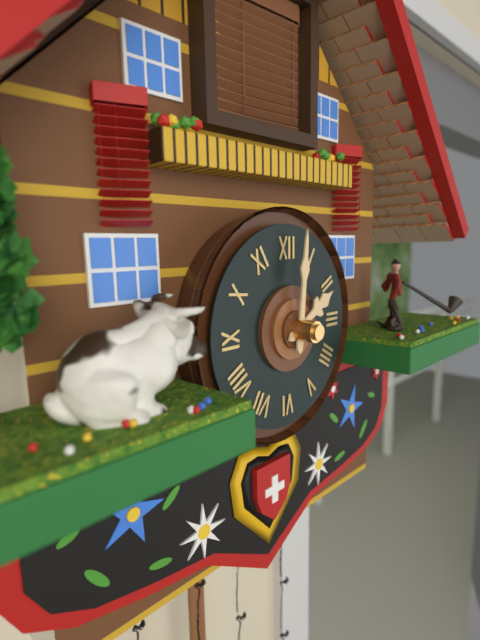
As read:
2:01
